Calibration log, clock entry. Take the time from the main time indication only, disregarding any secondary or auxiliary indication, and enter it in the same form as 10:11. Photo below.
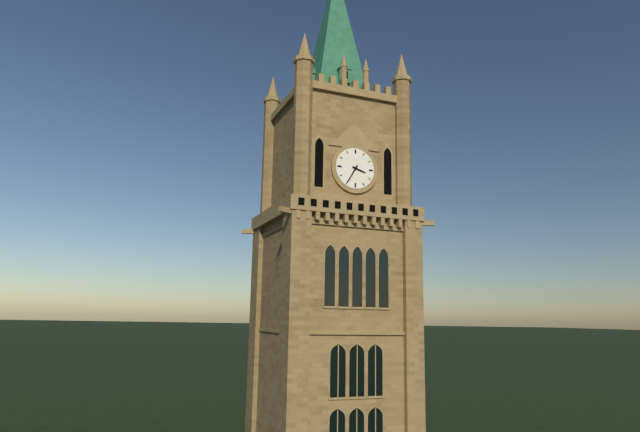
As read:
3:35
